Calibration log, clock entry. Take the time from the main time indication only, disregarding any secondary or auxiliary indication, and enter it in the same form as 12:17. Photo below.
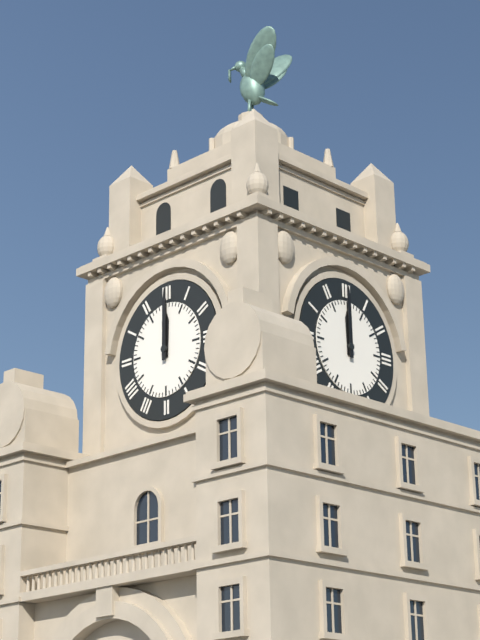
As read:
12:00
